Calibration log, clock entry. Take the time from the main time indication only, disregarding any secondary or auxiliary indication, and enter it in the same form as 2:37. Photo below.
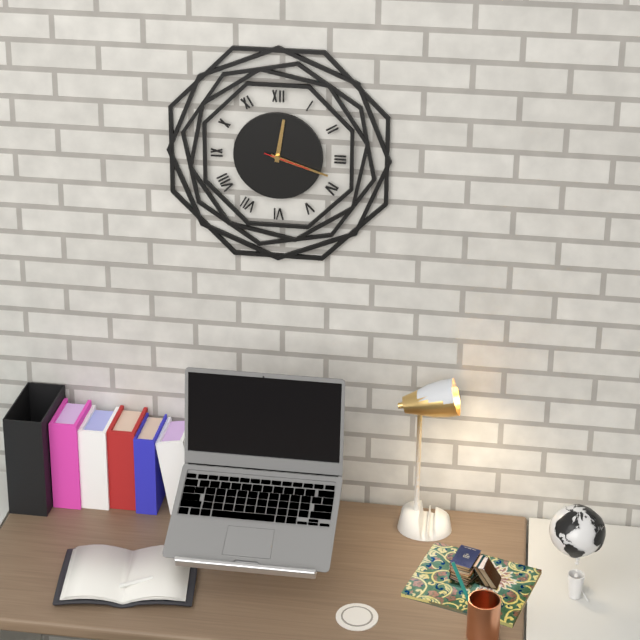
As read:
12:18
